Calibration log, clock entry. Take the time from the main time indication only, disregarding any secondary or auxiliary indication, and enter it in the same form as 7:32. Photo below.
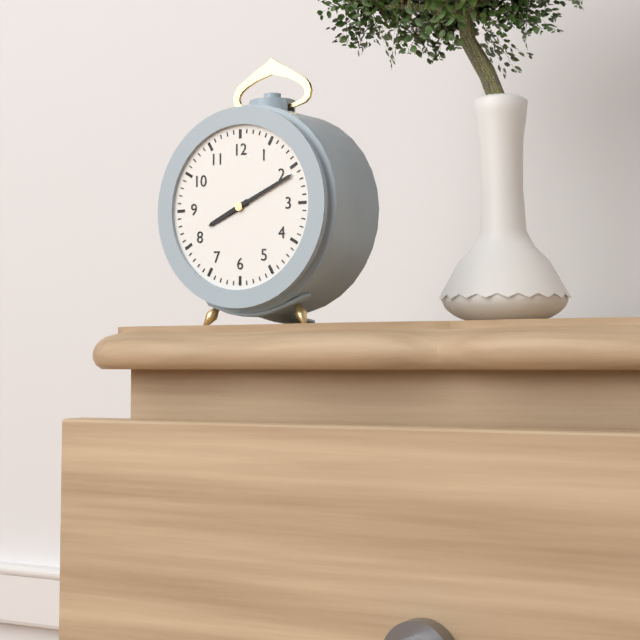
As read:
8:11
